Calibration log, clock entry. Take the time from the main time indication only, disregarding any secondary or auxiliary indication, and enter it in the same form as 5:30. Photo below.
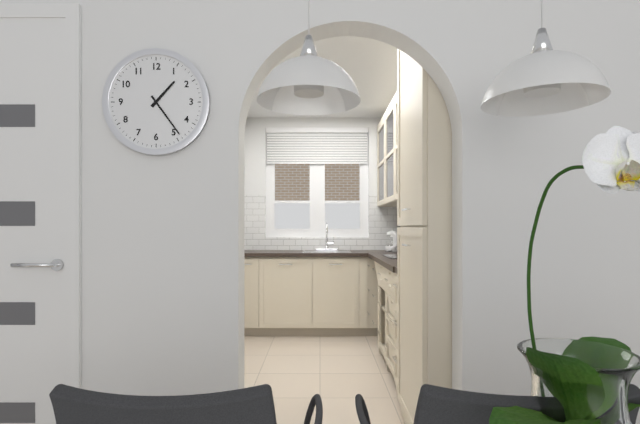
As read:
1:24
